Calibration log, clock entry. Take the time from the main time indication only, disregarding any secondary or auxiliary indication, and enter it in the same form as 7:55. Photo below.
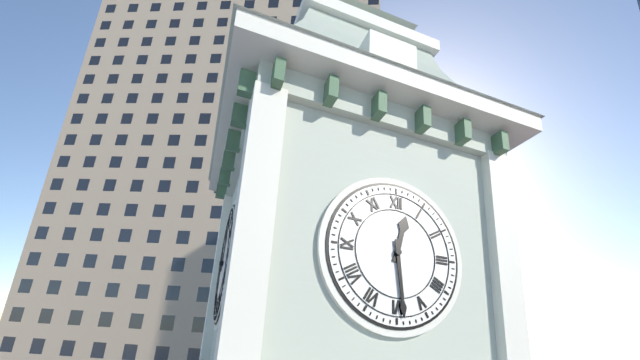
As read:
12:29
